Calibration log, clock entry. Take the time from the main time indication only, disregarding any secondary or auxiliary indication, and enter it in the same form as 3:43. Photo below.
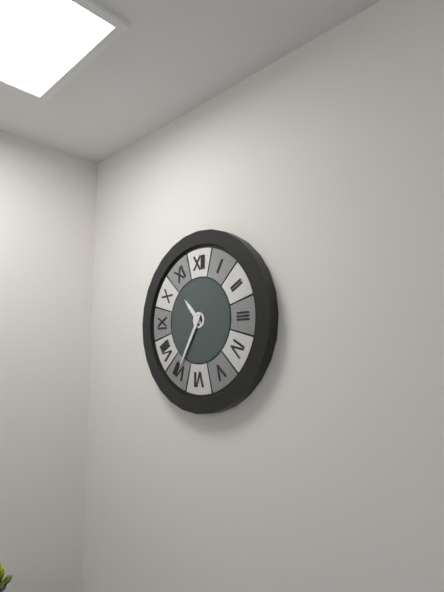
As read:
10:35
